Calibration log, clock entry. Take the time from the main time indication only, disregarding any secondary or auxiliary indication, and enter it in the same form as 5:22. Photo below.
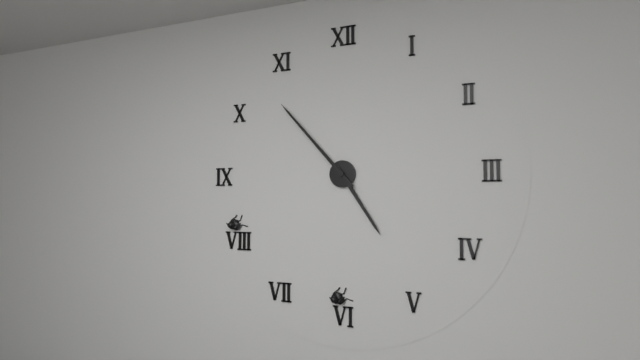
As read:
4:53
